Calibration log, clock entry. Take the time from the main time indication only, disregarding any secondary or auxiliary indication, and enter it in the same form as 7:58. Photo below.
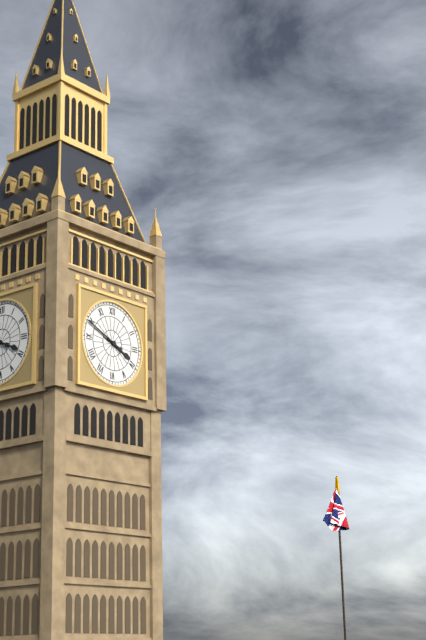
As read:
3:49
